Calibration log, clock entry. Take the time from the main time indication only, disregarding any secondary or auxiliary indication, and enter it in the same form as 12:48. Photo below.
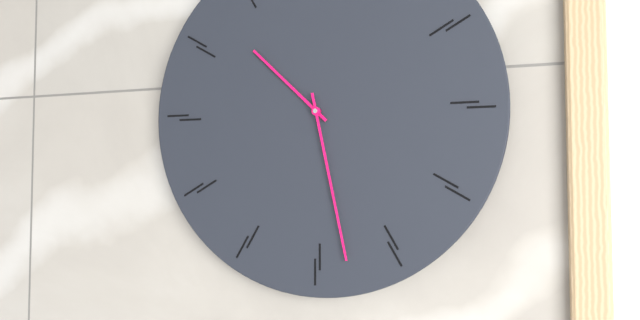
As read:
10:28
